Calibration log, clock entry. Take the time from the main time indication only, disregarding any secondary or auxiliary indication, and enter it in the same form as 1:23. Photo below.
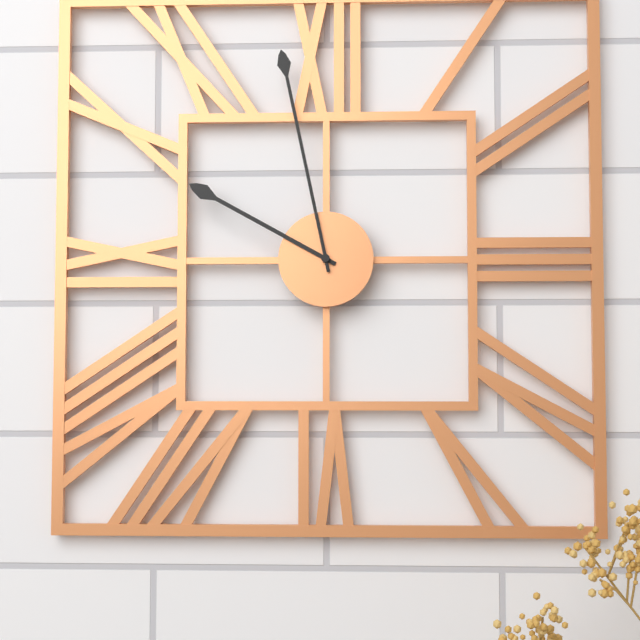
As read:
9:58
